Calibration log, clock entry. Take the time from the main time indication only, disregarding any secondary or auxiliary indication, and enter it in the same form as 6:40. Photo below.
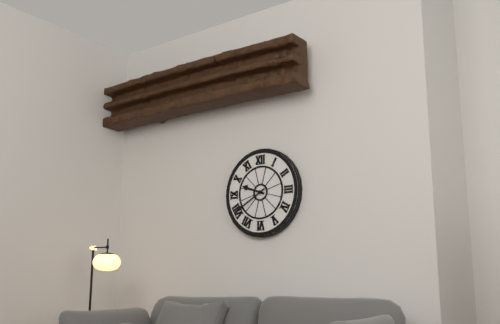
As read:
9:40
